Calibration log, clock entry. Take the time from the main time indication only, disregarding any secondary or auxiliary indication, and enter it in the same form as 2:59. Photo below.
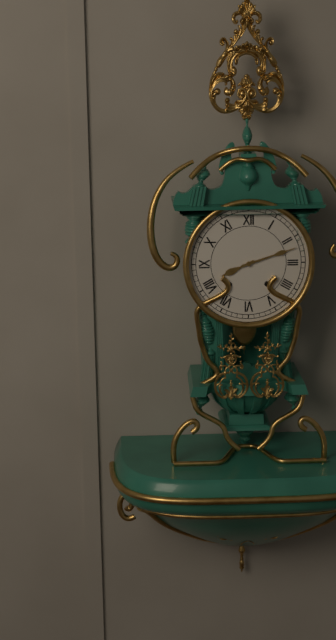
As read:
8:12
